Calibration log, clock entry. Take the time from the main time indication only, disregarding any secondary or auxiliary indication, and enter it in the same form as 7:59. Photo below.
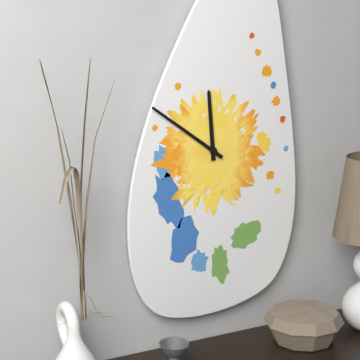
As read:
11:51
